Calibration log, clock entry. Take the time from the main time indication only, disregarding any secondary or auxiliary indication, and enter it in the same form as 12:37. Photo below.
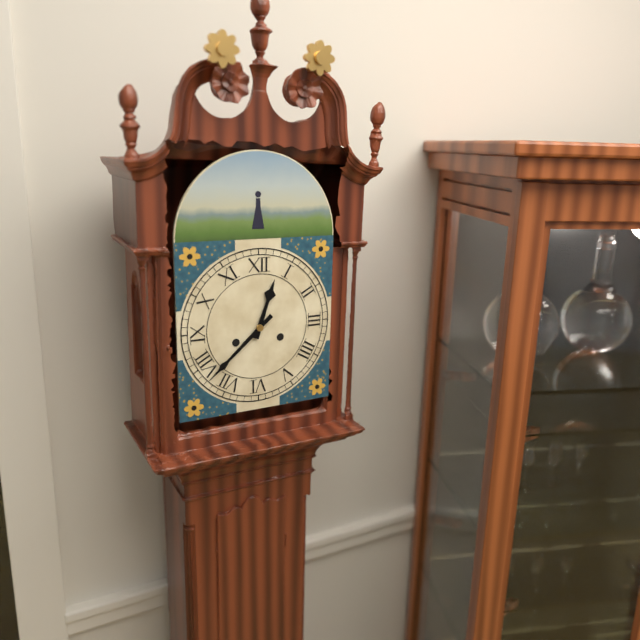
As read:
12:38
